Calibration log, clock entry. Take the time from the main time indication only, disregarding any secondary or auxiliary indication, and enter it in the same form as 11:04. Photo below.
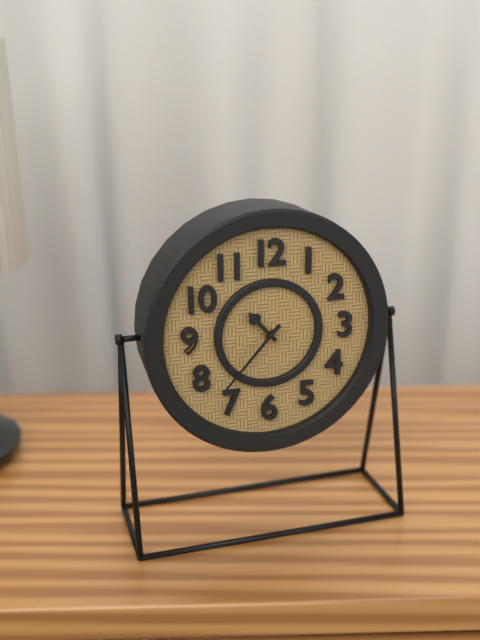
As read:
10:37
